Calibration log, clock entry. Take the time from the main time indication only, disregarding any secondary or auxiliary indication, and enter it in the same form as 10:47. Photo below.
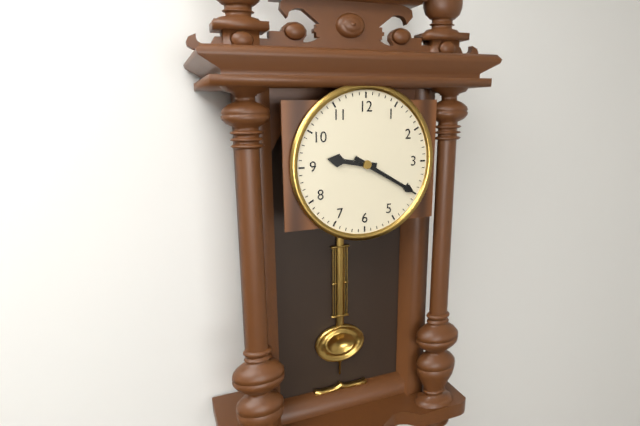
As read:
9:20
